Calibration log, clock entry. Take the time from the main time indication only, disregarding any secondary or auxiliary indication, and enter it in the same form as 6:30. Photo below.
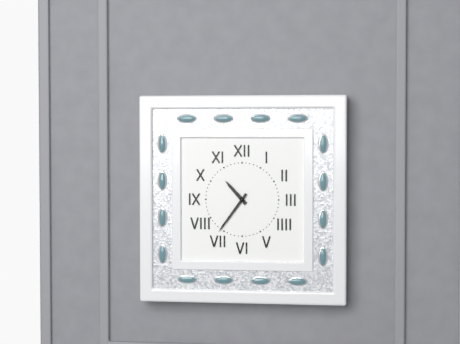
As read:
10:36
